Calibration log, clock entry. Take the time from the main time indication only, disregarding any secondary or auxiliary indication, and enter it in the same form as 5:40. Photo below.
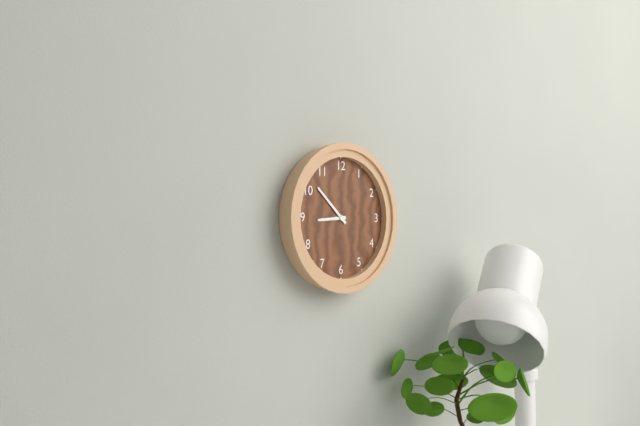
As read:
8:52
